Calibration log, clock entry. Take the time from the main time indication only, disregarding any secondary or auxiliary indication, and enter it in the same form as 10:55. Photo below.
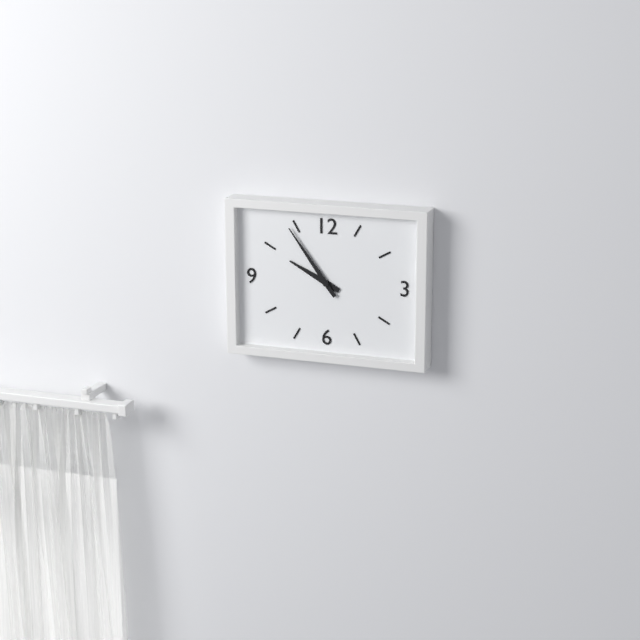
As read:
9:54
